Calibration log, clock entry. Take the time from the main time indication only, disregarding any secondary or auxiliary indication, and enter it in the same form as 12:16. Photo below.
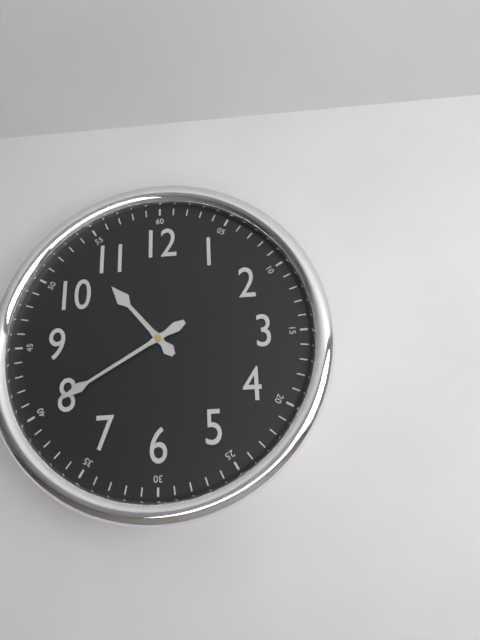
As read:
10:40
